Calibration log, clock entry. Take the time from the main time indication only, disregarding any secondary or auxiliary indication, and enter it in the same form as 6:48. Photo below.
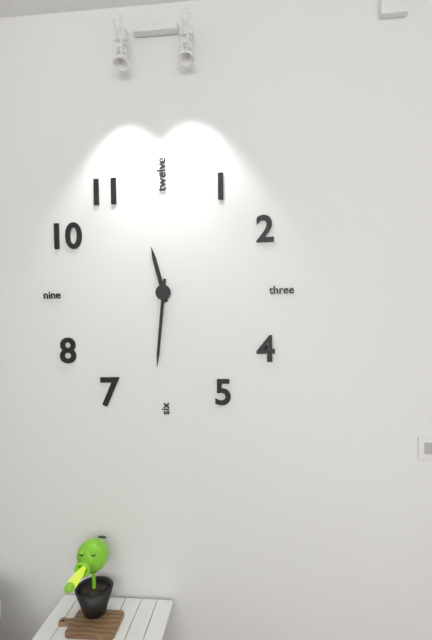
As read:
11:31
